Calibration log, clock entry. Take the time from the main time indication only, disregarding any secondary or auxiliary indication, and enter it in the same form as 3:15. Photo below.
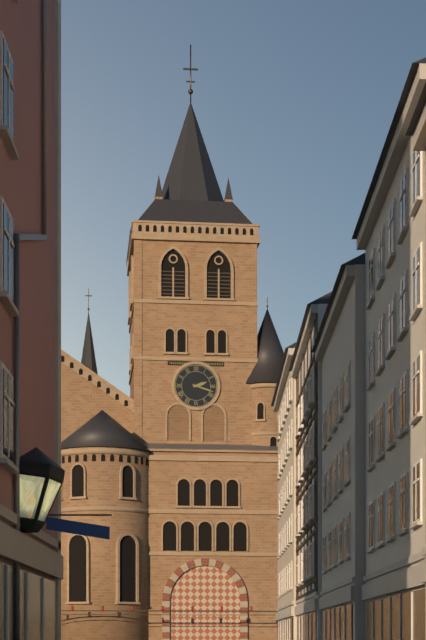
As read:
2:18
